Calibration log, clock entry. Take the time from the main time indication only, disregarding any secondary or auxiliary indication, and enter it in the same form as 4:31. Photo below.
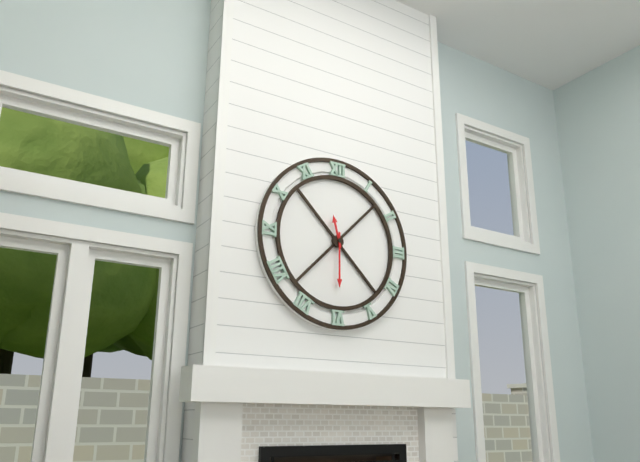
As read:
11:30
